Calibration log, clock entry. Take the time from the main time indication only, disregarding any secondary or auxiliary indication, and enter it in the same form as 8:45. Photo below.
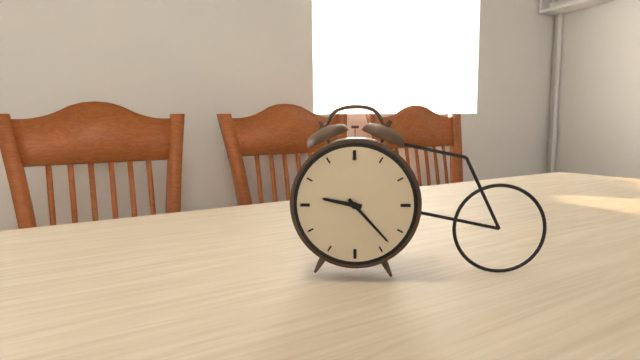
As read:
9:23
